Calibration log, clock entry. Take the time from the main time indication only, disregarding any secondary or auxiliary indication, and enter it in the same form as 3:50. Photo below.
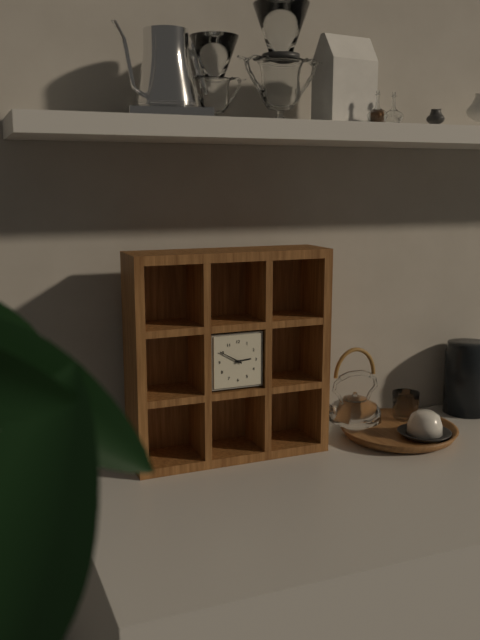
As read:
2:50
